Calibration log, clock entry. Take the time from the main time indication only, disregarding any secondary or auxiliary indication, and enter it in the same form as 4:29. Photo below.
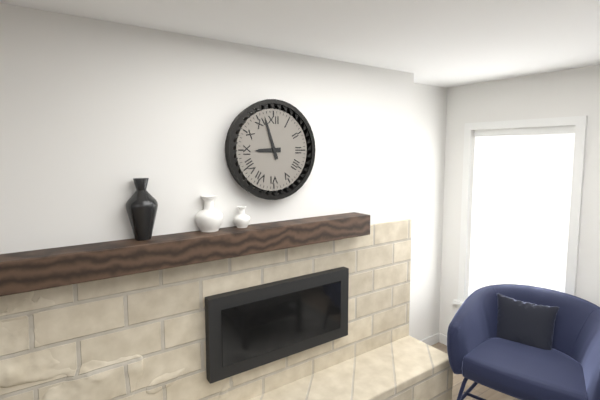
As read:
8:57
